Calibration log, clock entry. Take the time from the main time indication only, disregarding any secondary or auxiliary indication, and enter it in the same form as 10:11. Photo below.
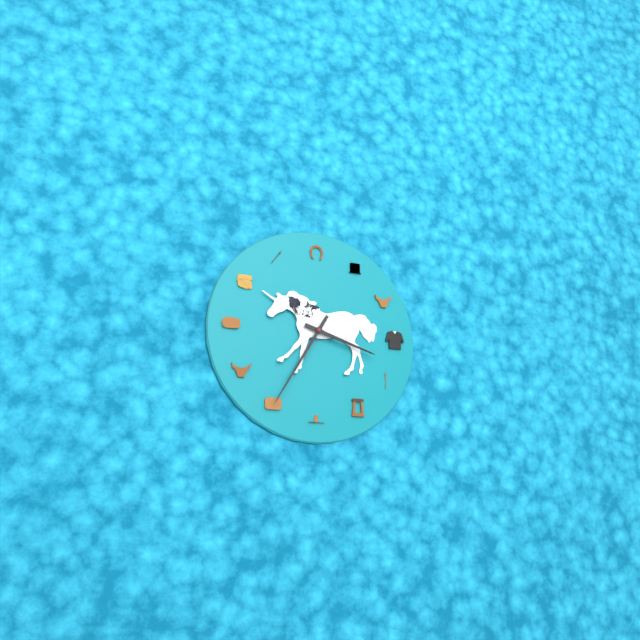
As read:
3:35
